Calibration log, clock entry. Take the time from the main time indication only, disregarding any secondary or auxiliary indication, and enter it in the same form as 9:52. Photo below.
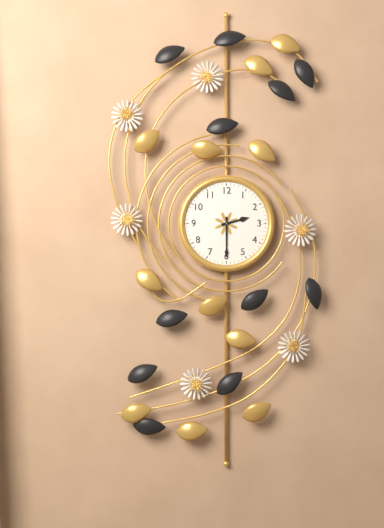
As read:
2:30
